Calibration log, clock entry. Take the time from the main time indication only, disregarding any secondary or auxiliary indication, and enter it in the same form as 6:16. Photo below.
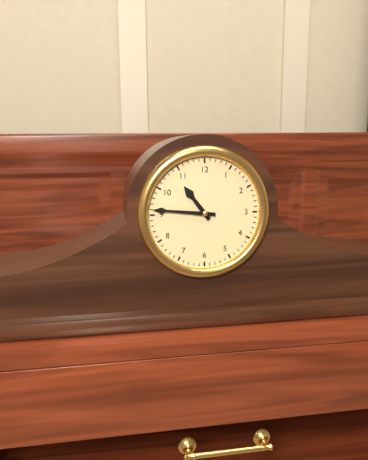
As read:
10:46
